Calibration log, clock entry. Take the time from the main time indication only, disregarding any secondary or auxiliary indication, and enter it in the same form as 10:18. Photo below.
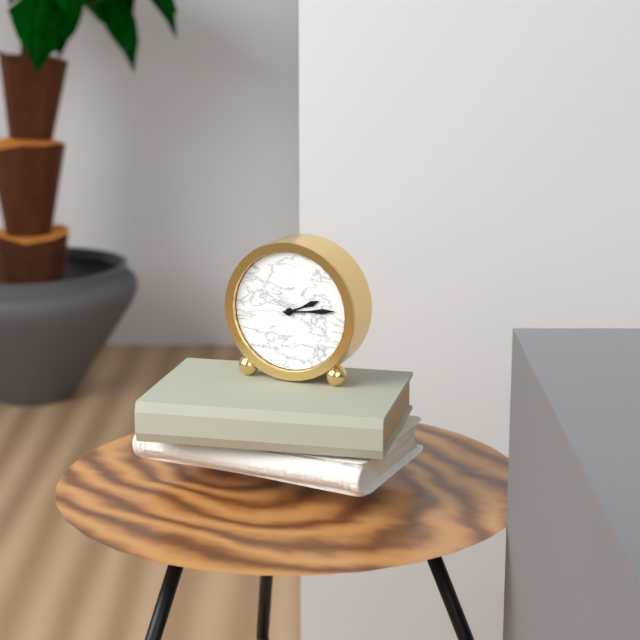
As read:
2:14
